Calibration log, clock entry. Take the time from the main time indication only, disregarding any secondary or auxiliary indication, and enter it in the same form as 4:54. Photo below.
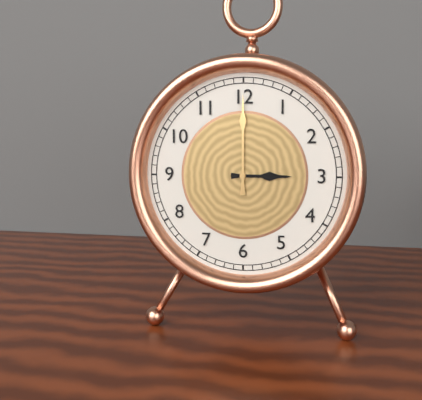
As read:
3:00
